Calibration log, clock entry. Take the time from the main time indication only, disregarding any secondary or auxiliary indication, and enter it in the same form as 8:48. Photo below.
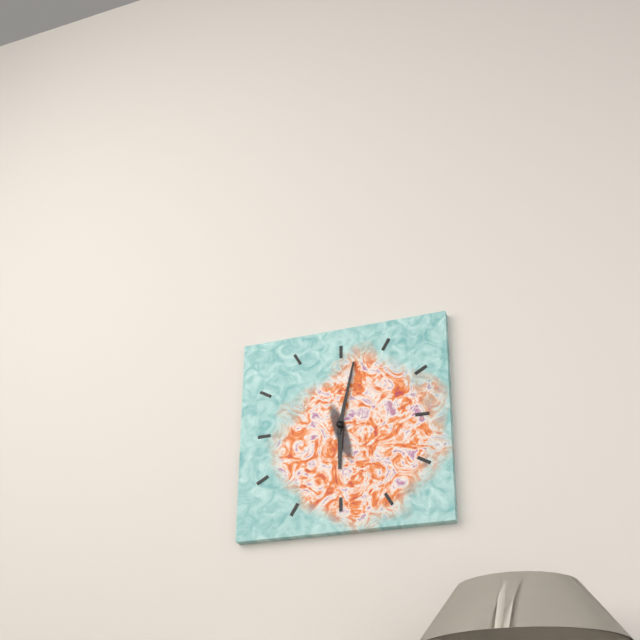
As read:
6:02
